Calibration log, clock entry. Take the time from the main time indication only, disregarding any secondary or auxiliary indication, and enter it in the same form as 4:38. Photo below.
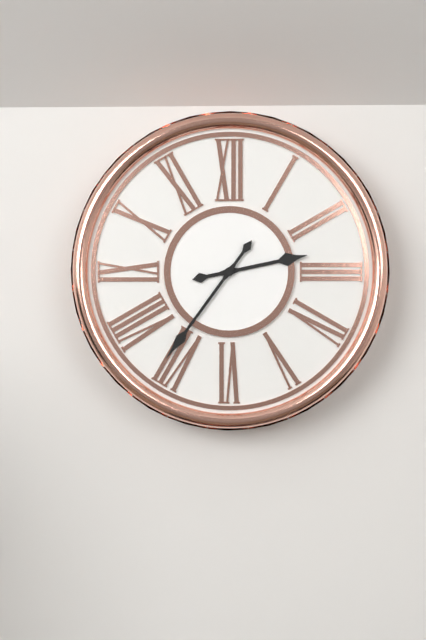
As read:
2:36
